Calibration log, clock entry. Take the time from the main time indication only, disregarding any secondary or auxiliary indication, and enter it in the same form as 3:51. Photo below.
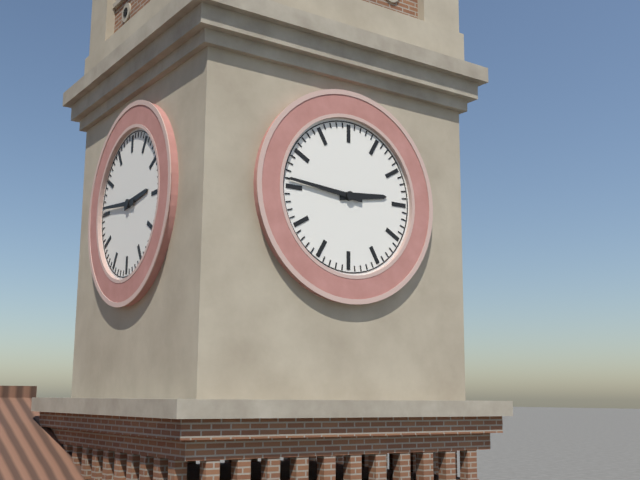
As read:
2:46
